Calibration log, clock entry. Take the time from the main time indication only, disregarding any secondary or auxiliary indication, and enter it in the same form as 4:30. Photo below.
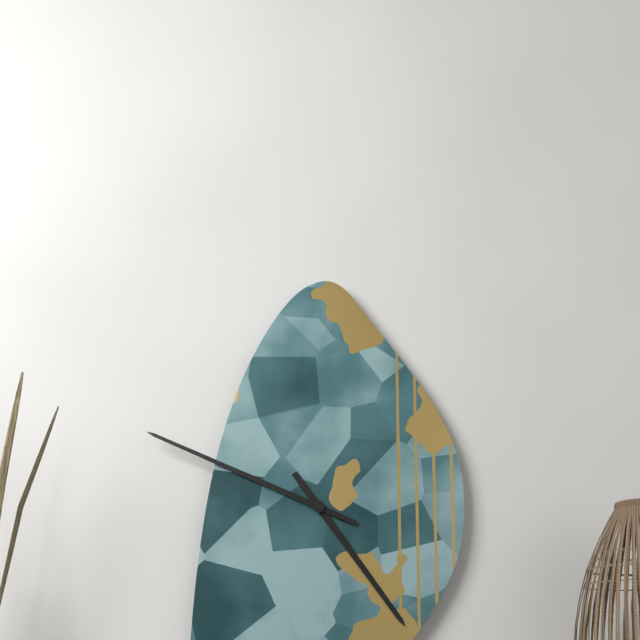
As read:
4:49
